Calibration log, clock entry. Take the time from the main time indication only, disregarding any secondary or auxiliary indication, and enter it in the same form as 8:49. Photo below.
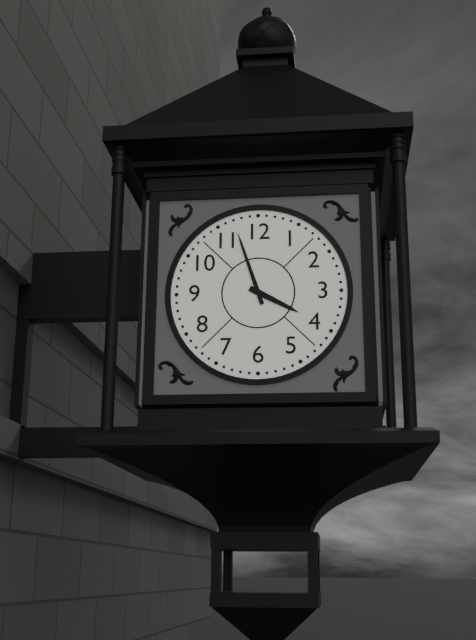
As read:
3:57
